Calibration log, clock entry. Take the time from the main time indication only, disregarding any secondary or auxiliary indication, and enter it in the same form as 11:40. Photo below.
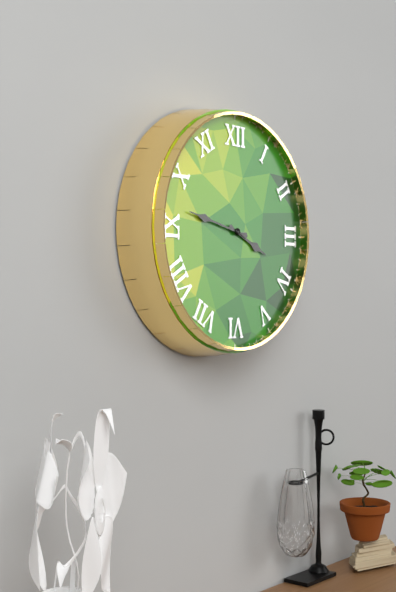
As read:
3:47
